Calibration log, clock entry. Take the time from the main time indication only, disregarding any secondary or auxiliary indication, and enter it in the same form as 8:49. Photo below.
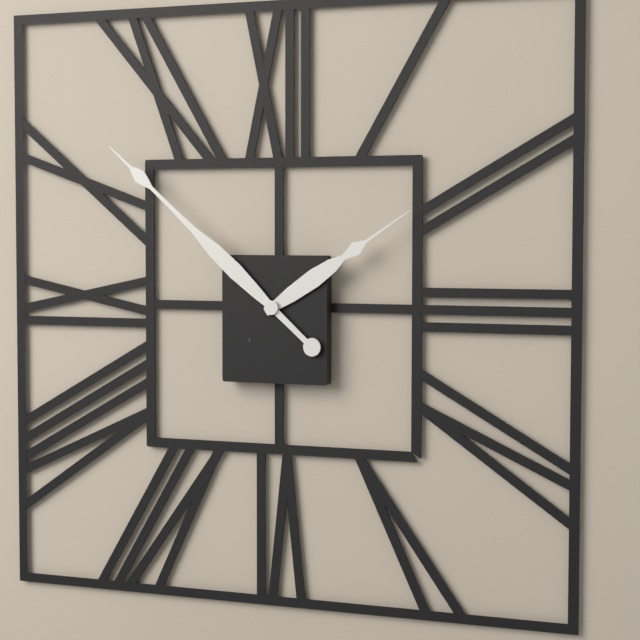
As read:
1:52
